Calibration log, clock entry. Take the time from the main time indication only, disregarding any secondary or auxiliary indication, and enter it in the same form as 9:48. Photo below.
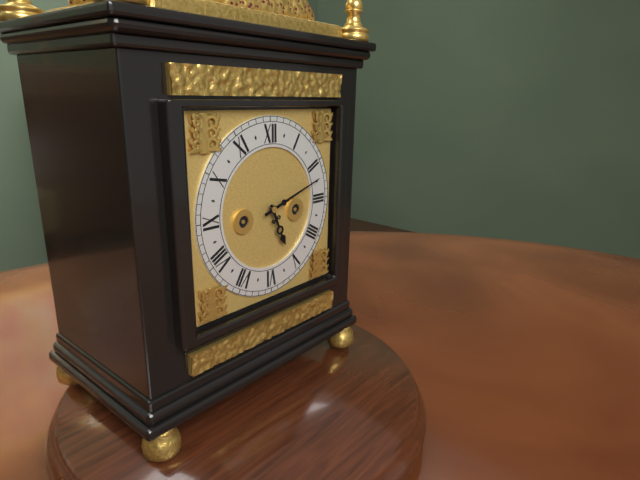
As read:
5:12
